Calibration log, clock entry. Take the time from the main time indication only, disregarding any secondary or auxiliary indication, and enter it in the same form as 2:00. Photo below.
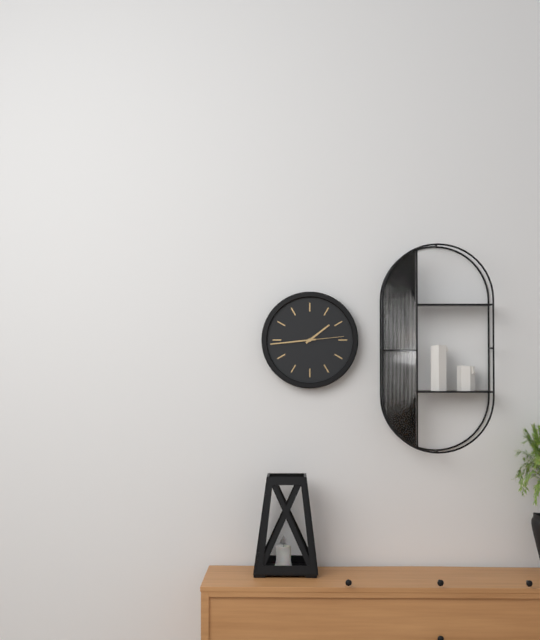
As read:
1:44
